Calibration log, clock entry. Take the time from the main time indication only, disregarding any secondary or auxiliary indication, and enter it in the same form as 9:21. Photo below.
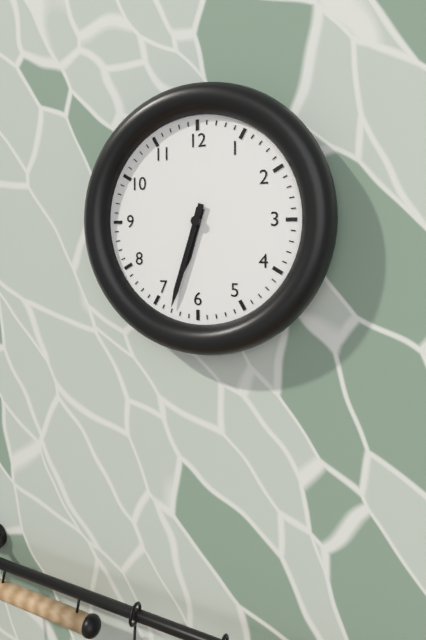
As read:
6:33
